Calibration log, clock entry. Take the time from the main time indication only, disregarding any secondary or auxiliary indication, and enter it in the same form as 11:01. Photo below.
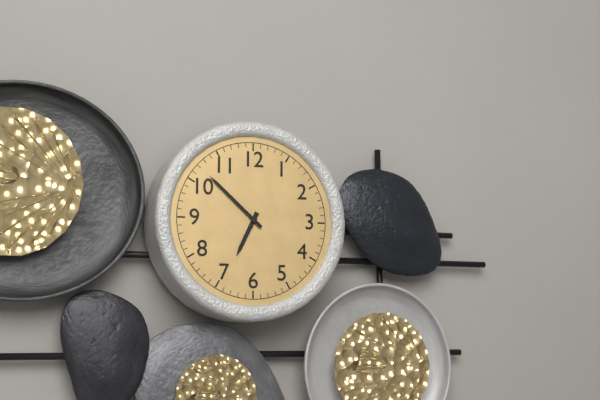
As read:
6:52
